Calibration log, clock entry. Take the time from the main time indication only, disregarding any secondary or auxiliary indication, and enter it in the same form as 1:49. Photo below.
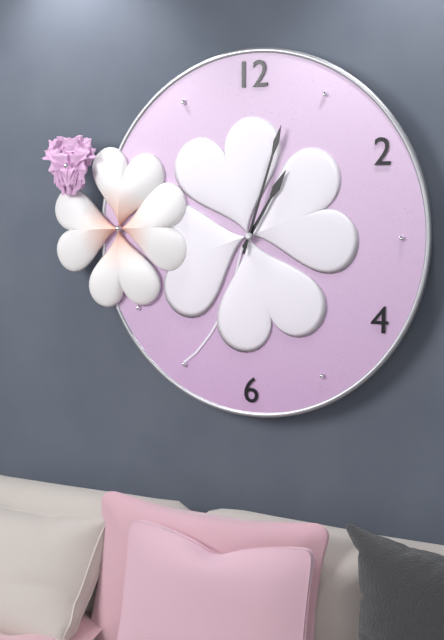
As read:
1:03
